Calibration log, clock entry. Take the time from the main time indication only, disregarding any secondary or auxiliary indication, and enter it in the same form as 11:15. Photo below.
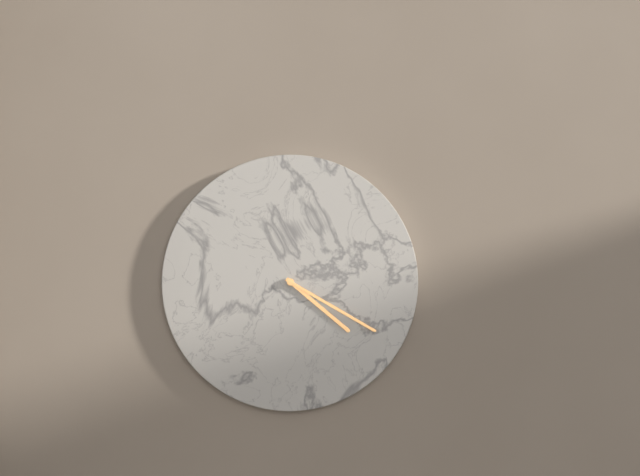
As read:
4:20
